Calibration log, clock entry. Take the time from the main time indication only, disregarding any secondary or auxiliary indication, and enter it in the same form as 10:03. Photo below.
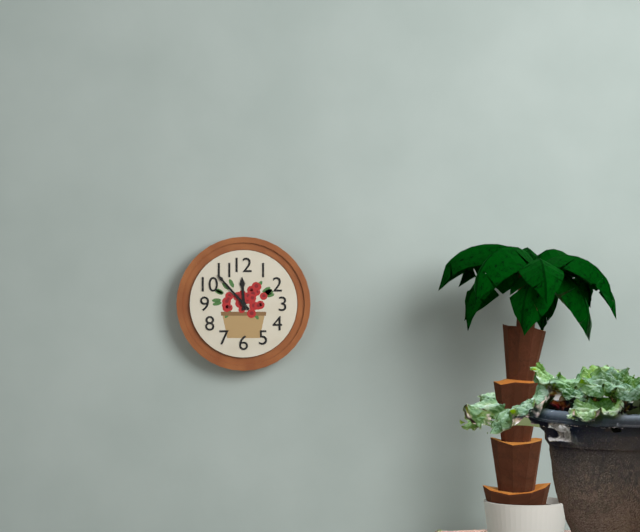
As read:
11:53
